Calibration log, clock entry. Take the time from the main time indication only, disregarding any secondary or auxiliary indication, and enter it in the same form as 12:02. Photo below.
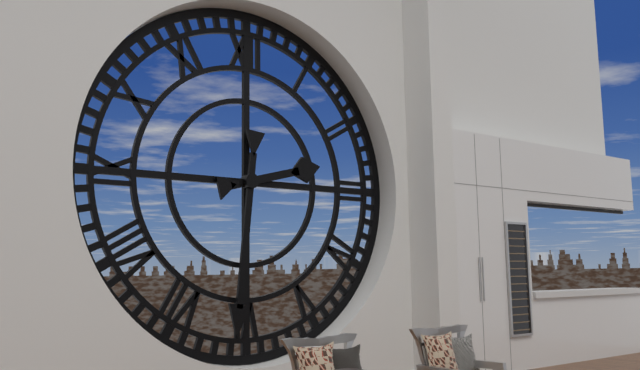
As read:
2:31
